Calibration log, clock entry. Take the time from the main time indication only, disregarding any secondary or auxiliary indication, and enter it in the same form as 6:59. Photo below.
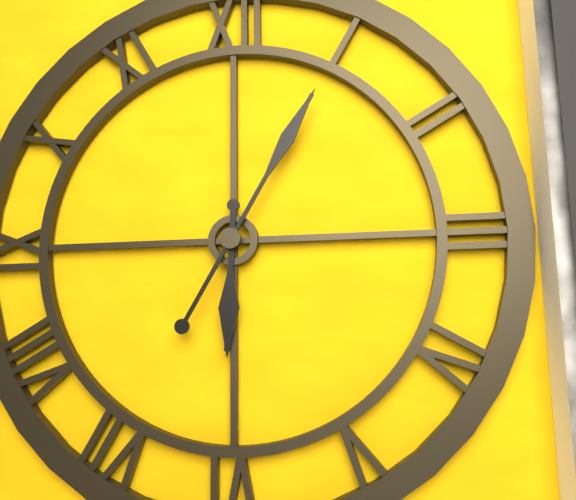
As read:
6:05
